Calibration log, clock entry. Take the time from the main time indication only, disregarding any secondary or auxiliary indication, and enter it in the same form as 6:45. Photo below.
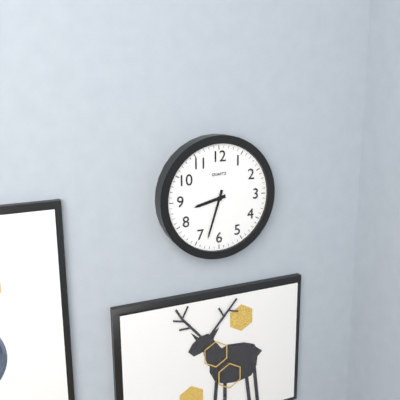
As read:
8:33
